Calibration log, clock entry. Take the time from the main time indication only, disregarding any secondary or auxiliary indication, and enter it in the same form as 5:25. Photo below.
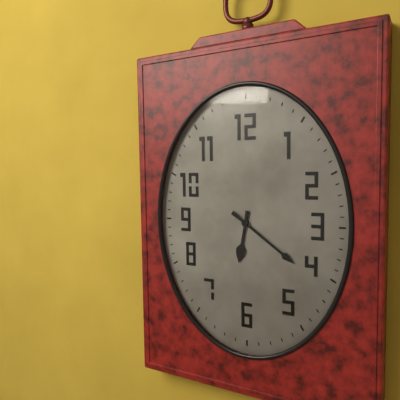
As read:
6:21
